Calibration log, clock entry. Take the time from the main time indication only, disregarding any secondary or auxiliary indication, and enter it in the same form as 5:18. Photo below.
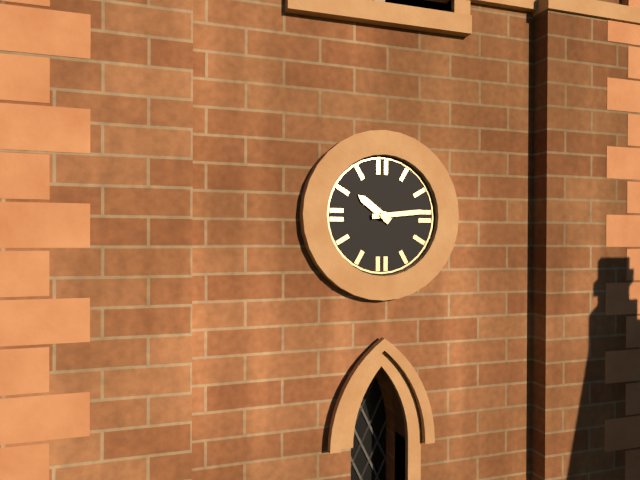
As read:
10:14
